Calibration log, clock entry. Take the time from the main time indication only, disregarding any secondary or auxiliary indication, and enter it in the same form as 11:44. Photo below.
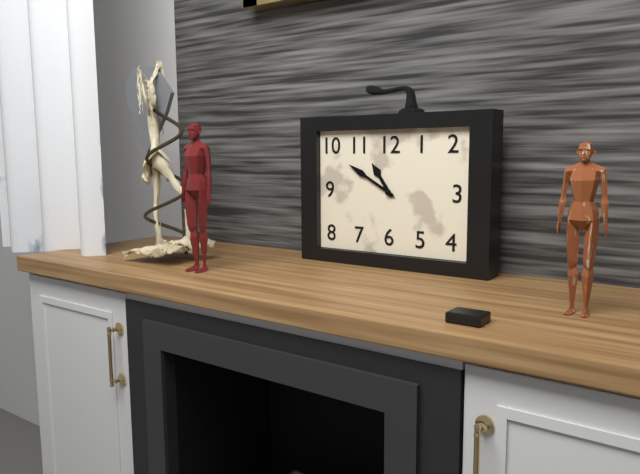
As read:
10:50
